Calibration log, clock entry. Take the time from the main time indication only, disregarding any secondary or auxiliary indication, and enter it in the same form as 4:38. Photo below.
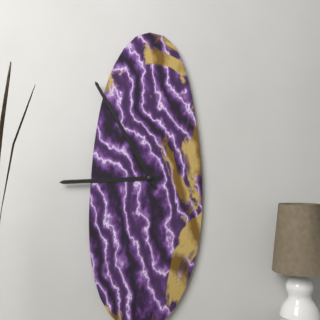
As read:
8:55
